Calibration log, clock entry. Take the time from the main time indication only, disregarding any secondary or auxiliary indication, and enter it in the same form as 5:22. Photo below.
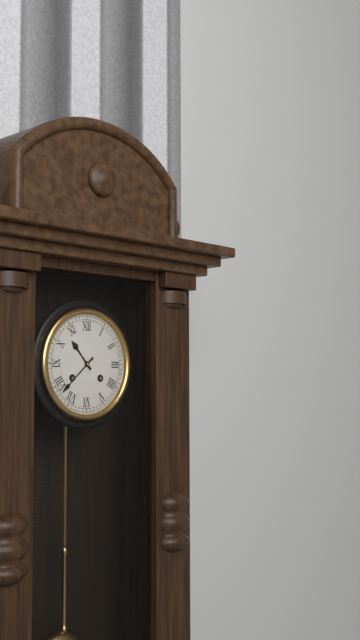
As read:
10:38
